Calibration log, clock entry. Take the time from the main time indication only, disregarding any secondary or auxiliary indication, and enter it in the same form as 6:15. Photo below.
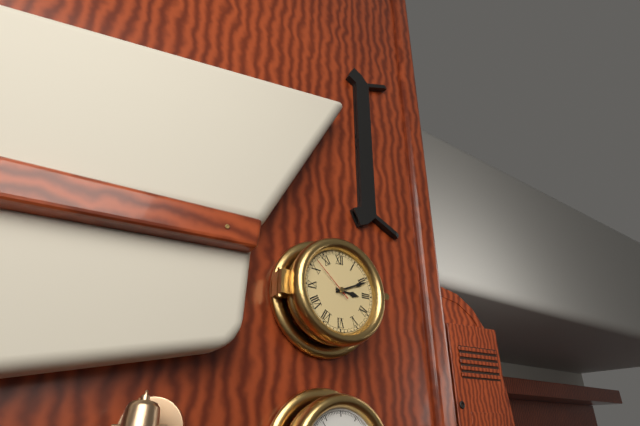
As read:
3:11
